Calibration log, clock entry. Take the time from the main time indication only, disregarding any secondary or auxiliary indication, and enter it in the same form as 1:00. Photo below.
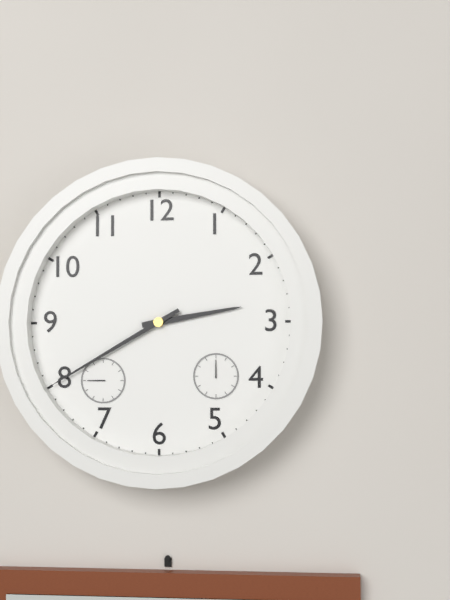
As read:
2:40
